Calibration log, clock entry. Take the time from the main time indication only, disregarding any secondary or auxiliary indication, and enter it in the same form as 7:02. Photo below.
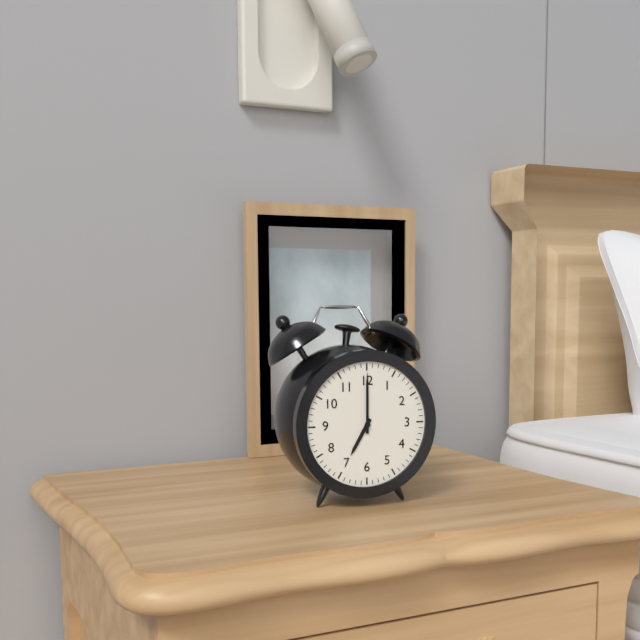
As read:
7:00
